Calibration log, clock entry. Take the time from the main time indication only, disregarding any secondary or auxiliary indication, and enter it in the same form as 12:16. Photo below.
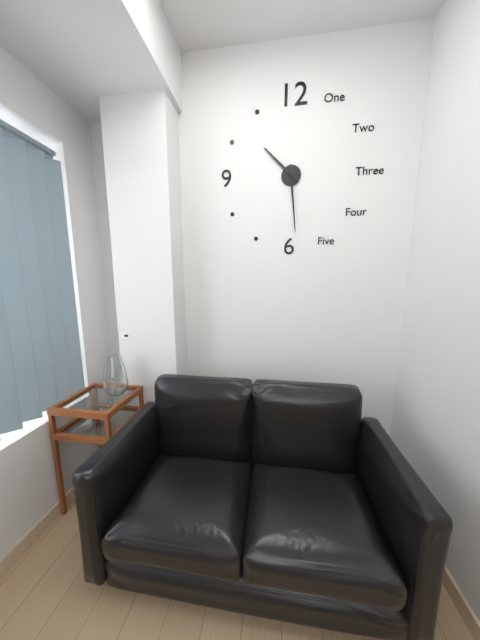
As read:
10:29
